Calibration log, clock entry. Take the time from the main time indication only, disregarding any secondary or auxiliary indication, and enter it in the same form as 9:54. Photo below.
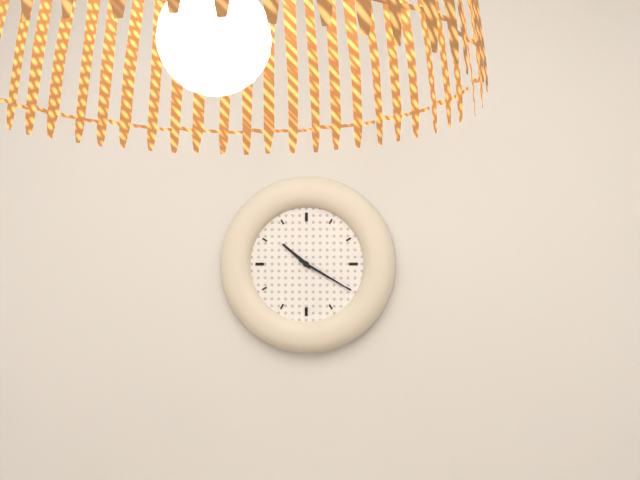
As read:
10:20
